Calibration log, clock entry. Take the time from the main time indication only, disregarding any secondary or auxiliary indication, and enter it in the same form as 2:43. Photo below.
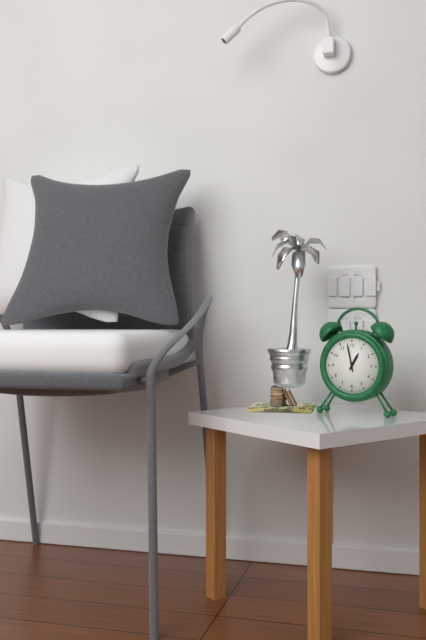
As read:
12:58
